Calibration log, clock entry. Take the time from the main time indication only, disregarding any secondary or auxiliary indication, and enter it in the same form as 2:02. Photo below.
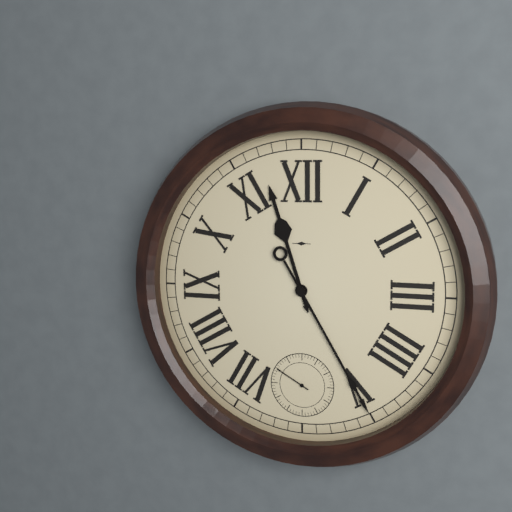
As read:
11:25
